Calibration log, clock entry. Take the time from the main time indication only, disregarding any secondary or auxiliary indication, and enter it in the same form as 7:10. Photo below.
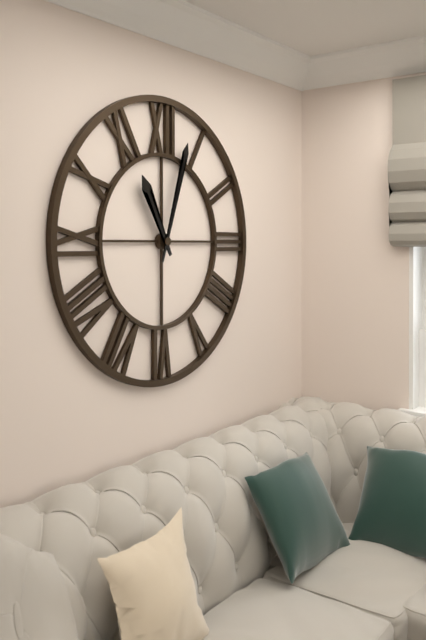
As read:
11:03
